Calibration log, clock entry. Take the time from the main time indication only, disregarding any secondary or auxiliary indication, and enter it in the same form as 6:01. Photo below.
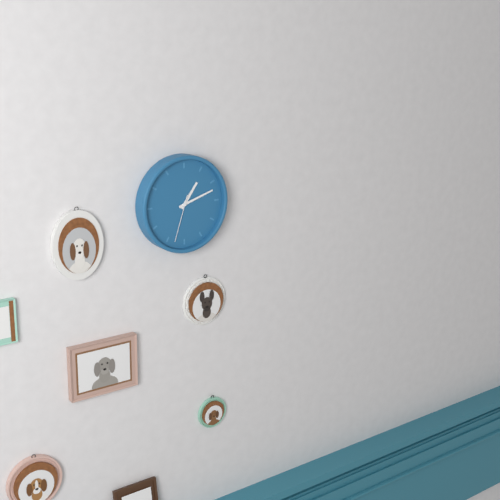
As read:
1:12
